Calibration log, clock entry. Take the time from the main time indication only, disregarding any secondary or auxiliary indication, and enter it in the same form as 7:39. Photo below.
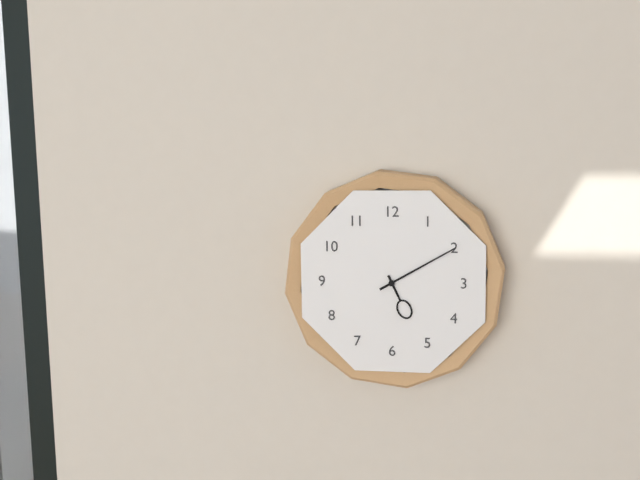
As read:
5:10
